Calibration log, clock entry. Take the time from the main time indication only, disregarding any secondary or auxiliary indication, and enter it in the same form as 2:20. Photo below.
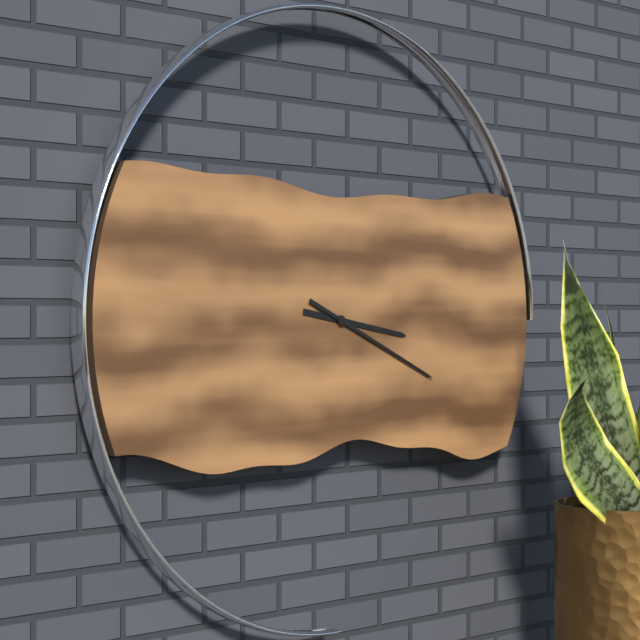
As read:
3:19
